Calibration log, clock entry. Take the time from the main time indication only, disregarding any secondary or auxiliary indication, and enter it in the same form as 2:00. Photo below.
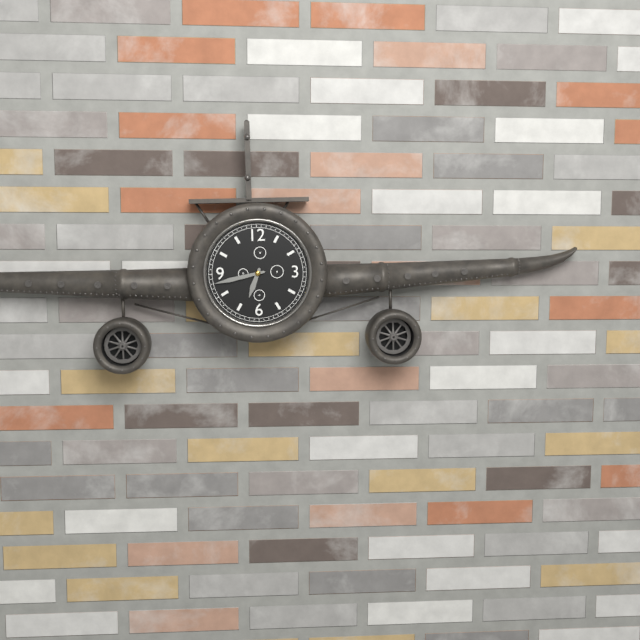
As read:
6:43
